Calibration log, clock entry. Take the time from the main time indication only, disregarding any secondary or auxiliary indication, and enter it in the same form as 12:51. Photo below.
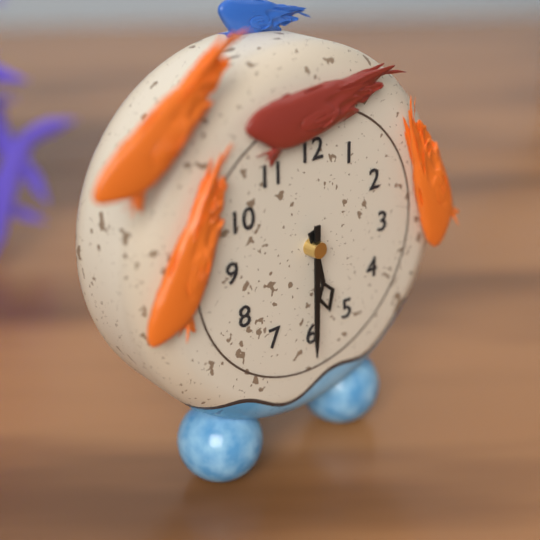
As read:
5:30
